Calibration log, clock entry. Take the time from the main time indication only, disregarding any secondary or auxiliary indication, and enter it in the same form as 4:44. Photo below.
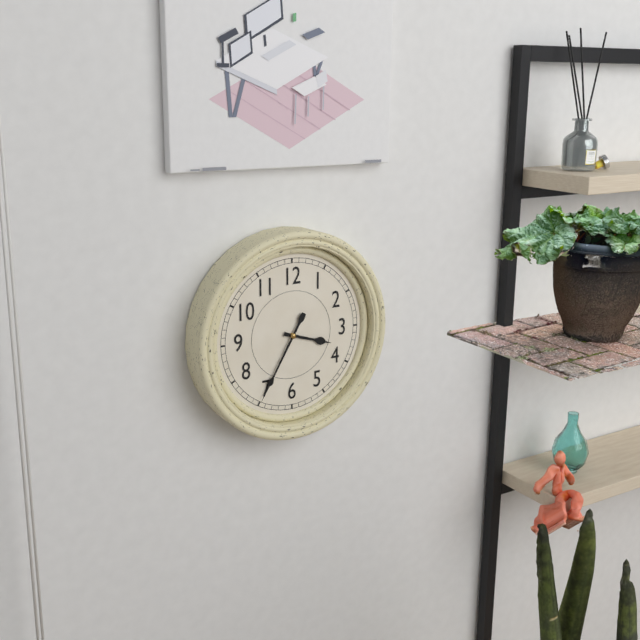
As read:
3:35
